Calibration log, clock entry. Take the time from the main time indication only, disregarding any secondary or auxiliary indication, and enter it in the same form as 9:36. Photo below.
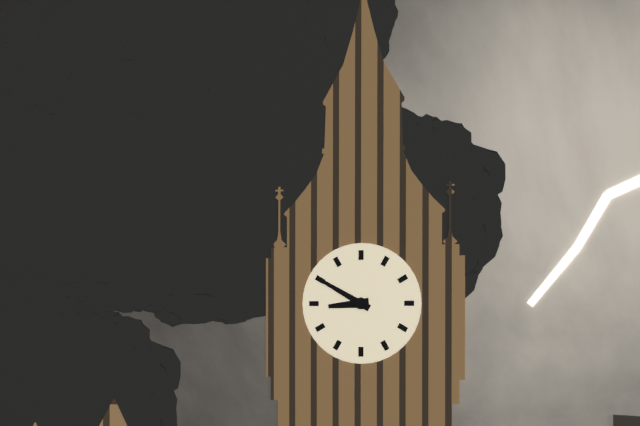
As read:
8:50
